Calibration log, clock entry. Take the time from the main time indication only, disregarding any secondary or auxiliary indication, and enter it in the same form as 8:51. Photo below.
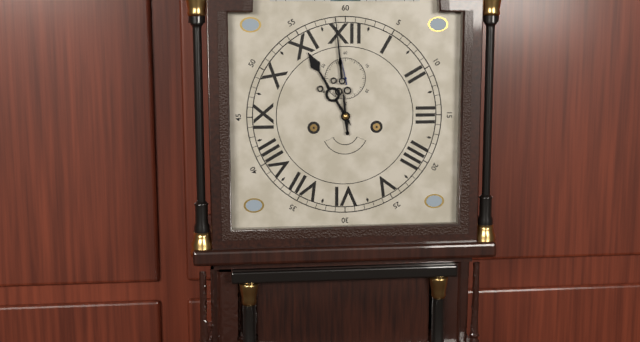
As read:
10:59
